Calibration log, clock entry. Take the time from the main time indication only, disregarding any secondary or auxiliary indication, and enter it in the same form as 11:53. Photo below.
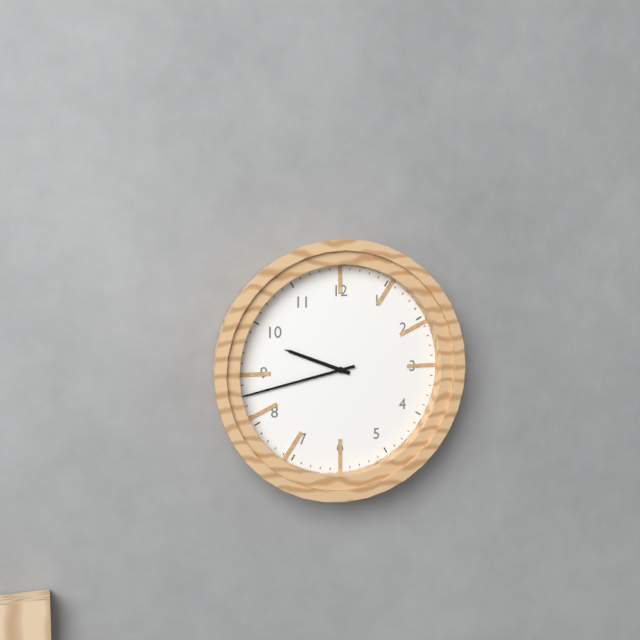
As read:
9:43
